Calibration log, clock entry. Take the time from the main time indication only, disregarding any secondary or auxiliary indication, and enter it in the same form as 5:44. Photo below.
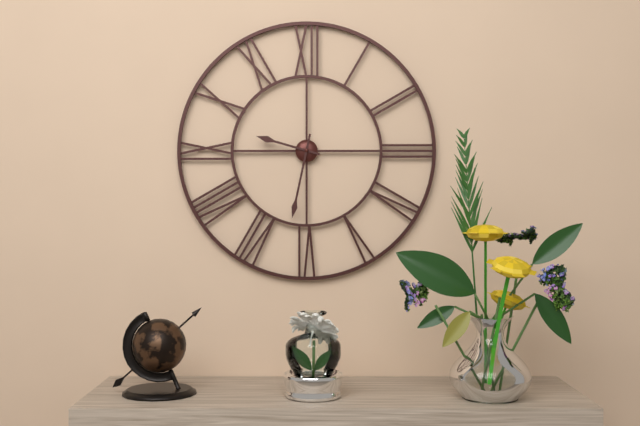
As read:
9:32
